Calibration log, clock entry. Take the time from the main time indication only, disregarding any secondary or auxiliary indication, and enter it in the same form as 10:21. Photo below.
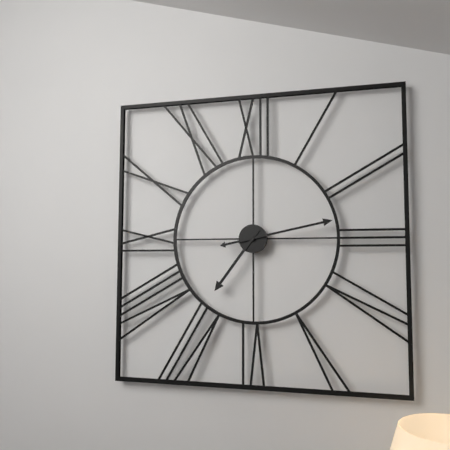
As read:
7:13
